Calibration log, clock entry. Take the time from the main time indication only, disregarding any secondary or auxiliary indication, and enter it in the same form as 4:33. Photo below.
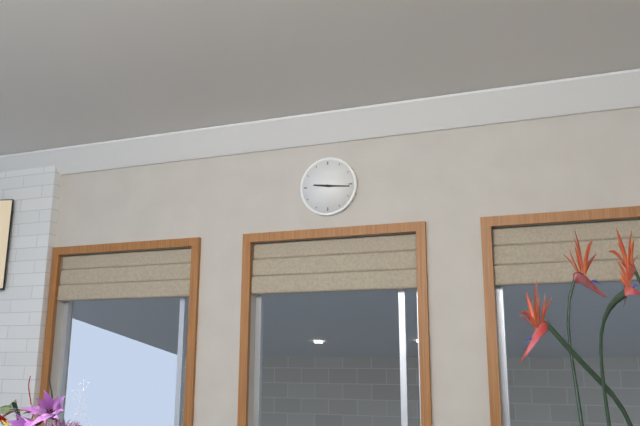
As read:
9:16
